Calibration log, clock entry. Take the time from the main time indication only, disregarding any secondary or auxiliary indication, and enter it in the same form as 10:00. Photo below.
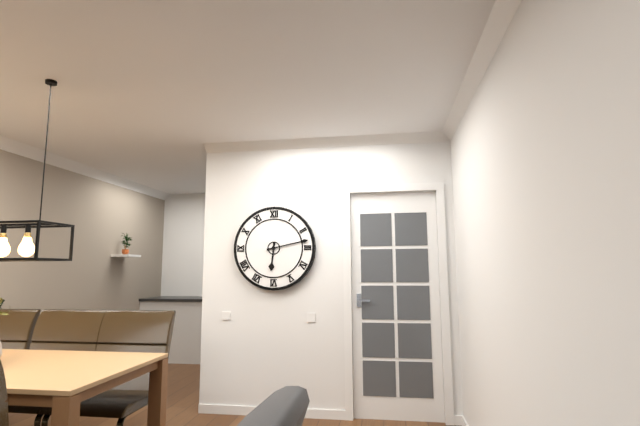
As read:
6:13
